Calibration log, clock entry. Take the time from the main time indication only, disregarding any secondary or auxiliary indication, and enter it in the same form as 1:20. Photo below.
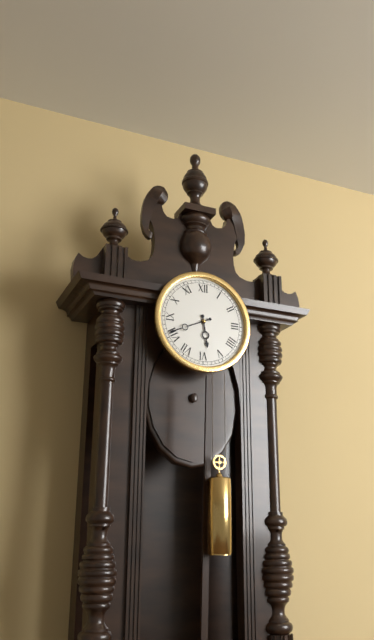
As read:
5:41
